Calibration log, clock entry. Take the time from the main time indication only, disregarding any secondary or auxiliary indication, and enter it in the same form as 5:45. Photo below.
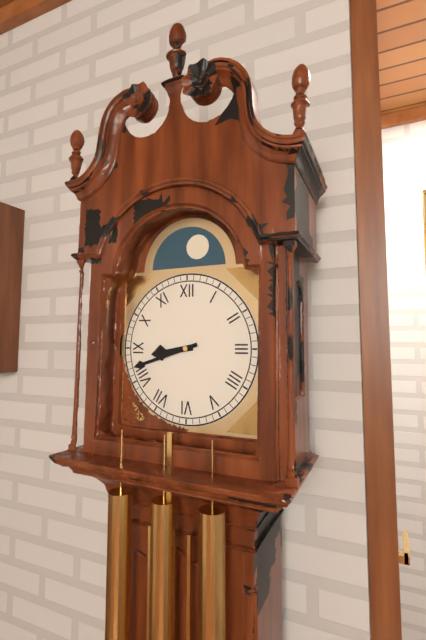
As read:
8:42
